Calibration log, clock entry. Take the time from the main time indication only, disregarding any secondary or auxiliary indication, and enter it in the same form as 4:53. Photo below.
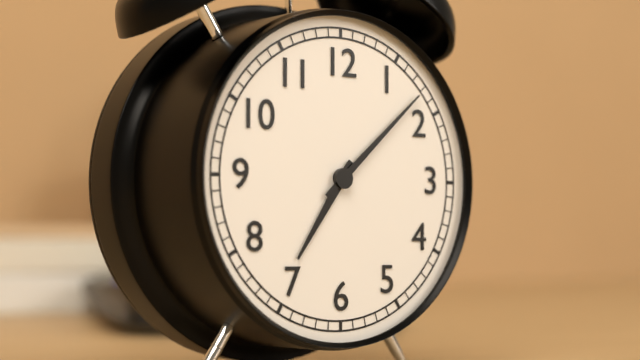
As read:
7:08
